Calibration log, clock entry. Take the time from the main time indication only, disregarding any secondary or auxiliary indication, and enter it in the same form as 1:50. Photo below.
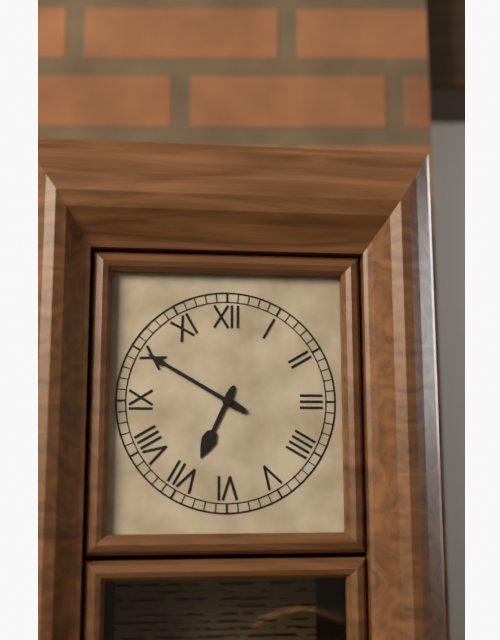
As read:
6:50
